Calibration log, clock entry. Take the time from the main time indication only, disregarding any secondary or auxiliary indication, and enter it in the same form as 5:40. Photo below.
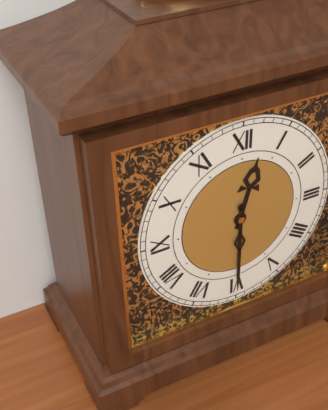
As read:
12:30
